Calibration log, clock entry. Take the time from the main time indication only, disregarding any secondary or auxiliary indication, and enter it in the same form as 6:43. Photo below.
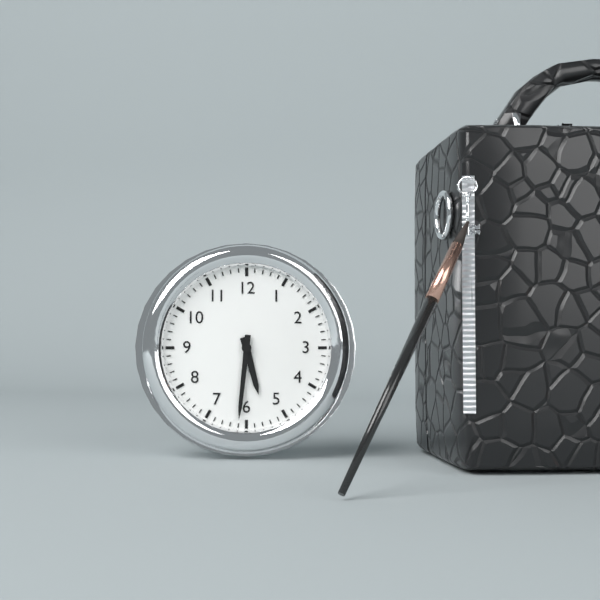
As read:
5:31
